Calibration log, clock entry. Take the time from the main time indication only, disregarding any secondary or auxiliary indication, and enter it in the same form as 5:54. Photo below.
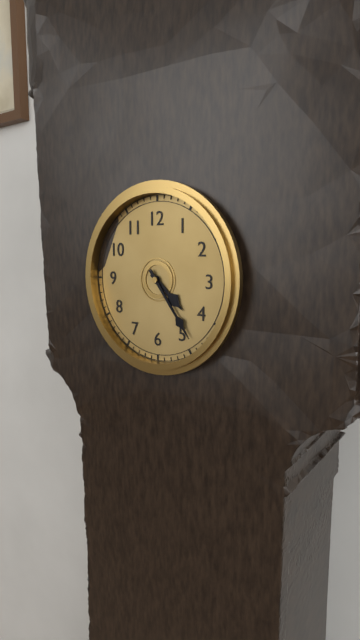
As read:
4:24
